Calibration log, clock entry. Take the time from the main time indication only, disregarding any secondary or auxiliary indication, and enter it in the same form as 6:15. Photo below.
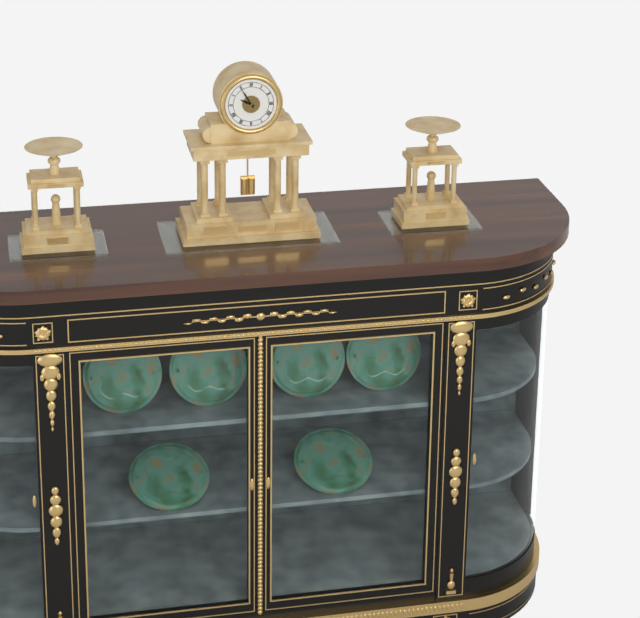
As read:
9:55
